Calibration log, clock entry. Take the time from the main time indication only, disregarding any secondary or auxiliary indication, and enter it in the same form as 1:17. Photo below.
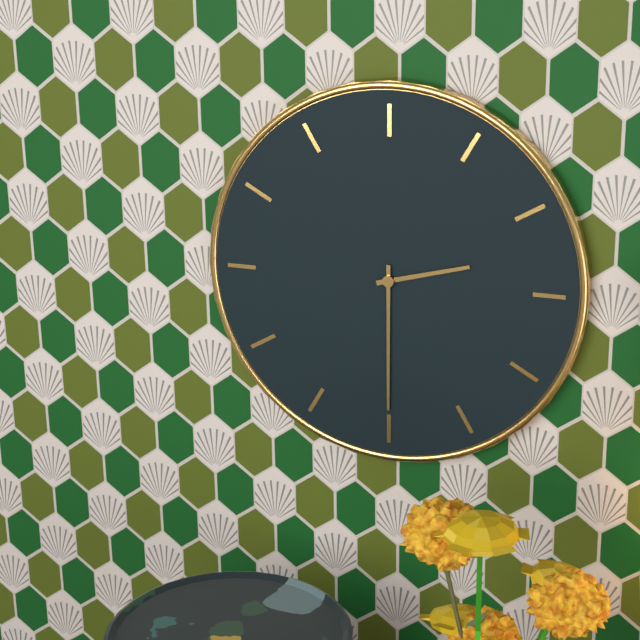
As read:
2:30
